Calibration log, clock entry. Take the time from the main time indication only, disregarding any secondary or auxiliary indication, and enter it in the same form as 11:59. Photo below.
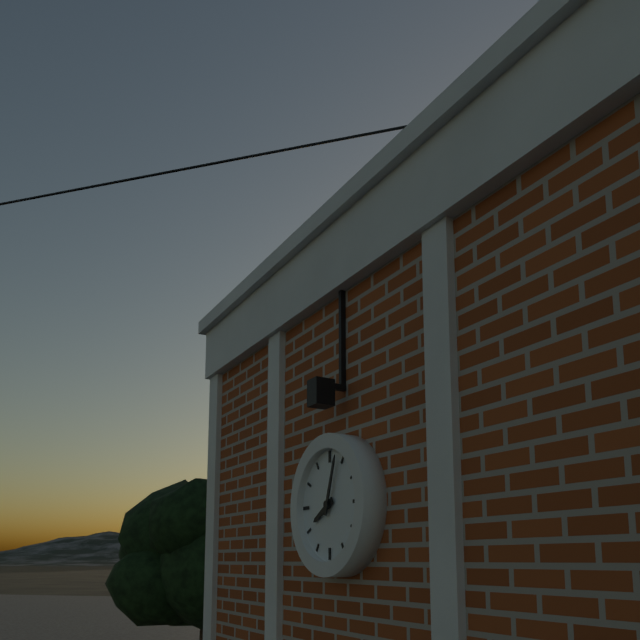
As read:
8:03
